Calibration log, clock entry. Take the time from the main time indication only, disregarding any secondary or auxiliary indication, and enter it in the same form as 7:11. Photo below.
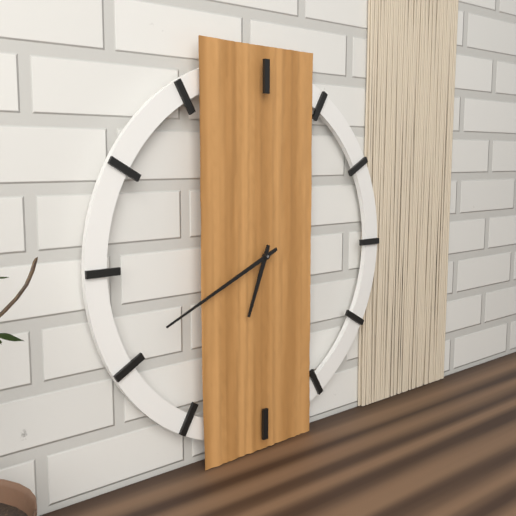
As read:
6:41
